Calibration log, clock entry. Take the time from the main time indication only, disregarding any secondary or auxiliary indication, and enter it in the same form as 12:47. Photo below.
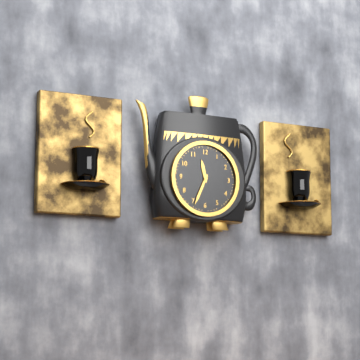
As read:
11:34
